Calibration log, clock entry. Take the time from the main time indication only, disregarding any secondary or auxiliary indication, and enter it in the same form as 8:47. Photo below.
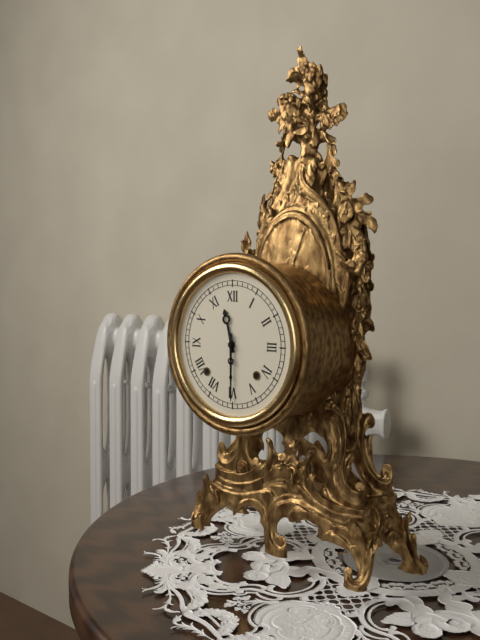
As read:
11:30
